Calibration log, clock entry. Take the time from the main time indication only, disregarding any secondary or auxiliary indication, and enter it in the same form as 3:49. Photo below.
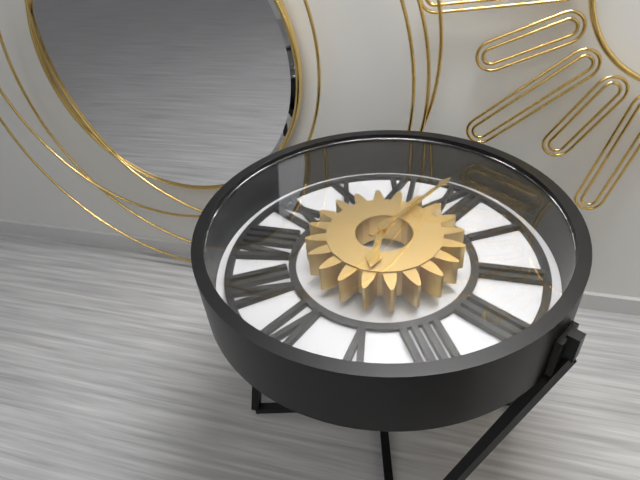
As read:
5:00
